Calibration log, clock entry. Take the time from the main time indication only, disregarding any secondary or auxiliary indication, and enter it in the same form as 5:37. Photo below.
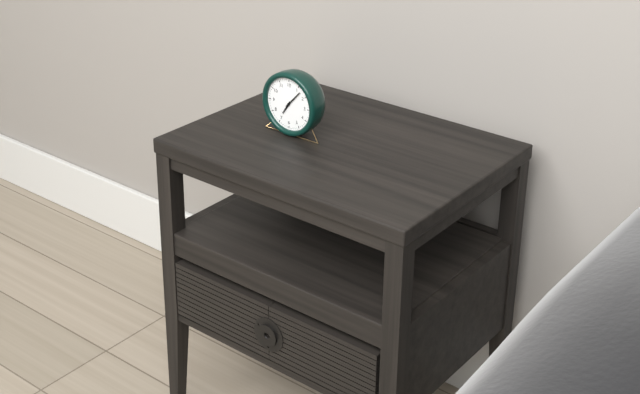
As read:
7:07
